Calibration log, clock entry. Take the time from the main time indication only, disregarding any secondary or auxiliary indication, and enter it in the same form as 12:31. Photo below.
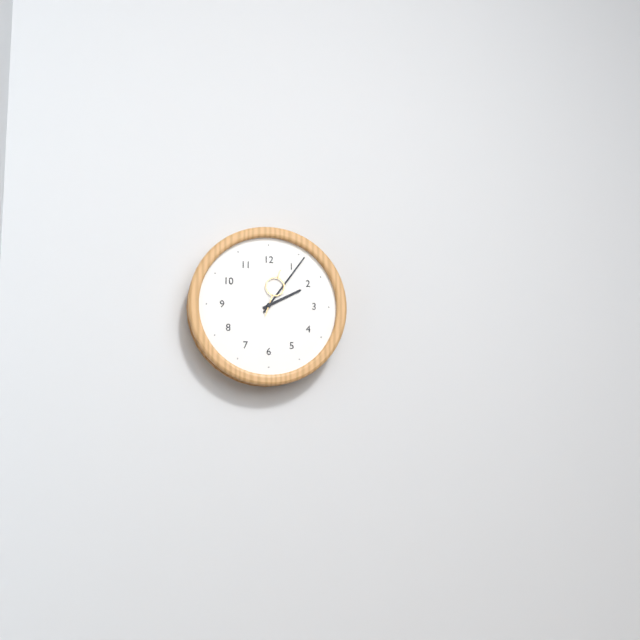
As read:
2:06
